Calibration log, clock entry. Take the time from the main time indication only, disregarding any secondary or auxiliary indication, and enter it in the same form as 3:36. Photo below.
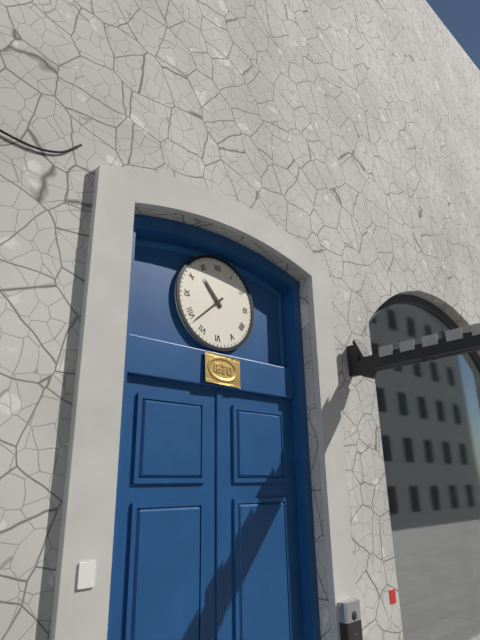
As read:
10:38
